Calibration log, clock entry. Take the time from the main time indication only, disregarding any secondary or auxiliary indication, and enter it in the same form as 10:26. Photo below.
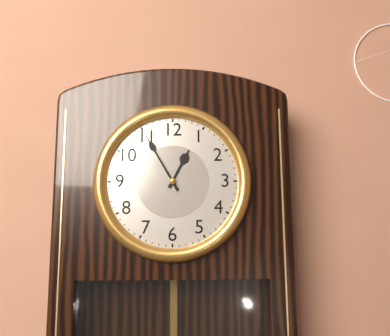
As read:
12:55
